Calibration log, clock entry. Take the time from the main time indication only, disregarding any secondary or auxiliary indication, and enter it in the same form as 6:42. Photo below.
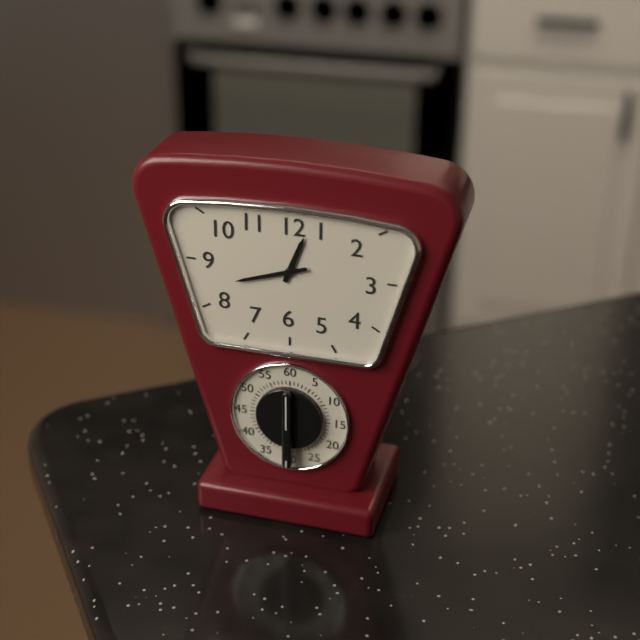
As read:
12:42
